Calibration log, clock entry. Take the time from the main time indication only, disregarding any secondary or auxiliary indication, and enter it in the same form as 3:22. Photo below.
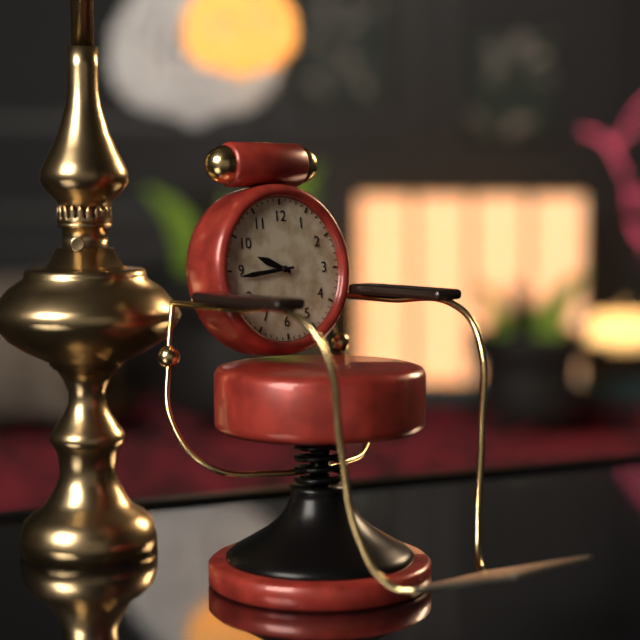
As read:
9:44
